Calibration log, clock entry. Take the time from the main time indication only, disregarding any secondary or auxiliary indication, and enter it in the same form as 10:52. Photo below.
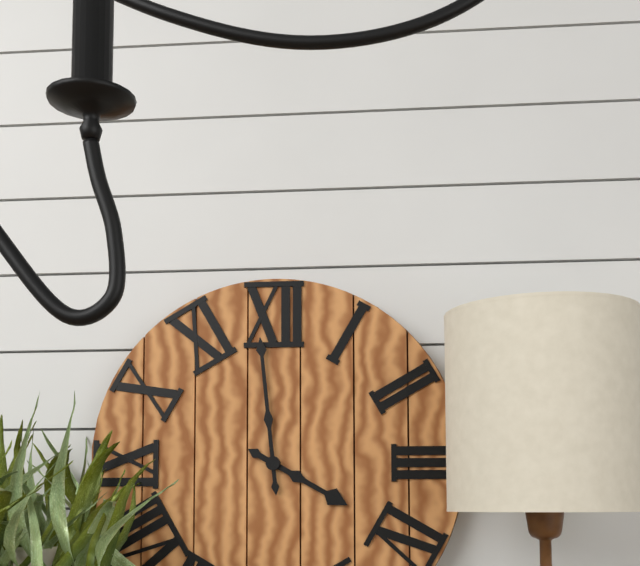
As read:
3:59
